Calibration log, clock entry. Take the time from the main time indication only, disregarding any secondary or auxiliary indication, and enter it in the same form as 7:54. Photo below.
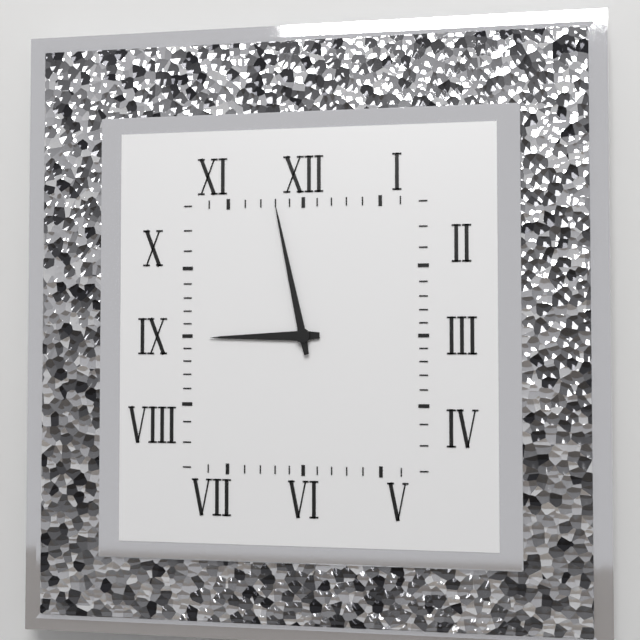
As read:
8:58
